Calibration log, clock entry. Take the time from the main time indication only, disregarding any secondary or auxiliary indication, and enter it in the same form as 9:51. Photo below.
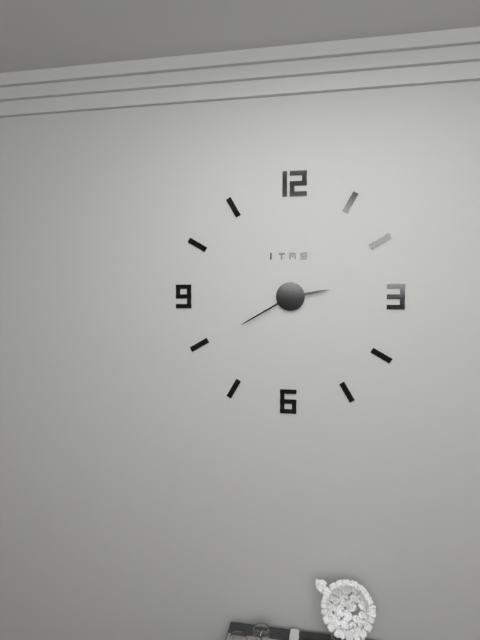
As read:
2:40
